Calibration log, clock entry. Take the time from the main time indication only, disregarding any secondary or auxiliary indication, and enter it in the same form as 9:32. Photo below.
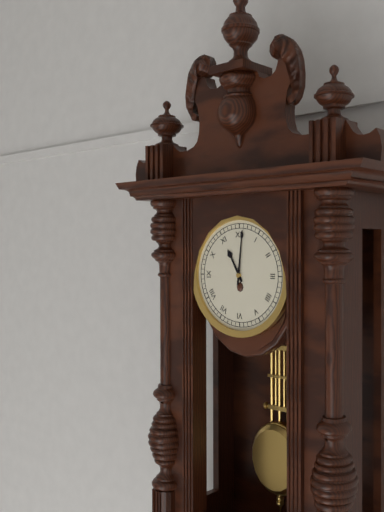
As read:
11:01
